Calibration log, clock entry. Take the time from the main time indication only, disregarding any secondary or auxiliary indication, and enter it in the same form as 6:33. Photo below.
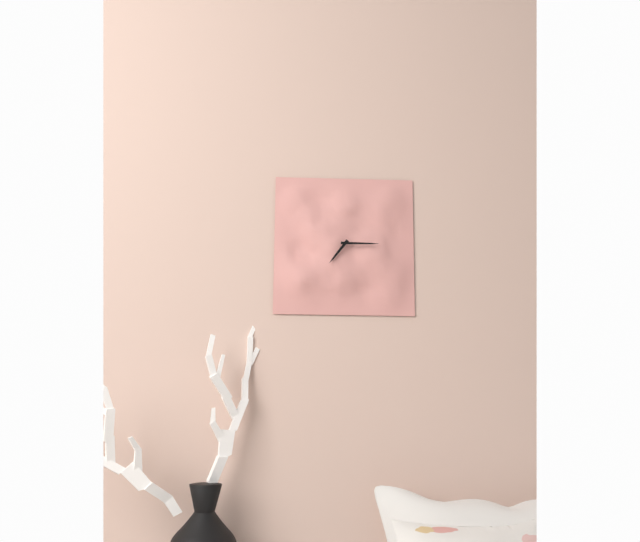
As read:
7:15
